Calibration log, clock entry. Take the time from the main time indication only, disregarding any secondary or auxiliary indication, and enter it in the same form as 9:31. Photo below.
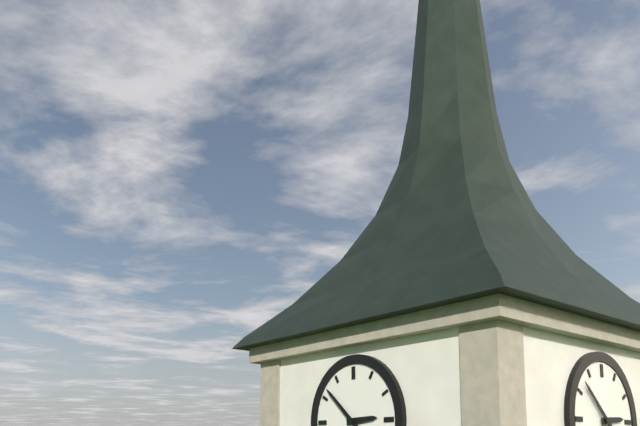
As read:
2:52
